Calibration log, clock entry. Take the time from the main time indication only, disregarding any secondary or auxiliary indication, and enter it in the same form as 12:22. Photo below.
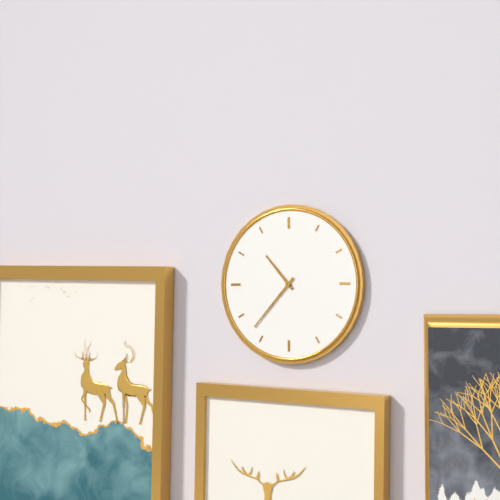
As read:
10:37
